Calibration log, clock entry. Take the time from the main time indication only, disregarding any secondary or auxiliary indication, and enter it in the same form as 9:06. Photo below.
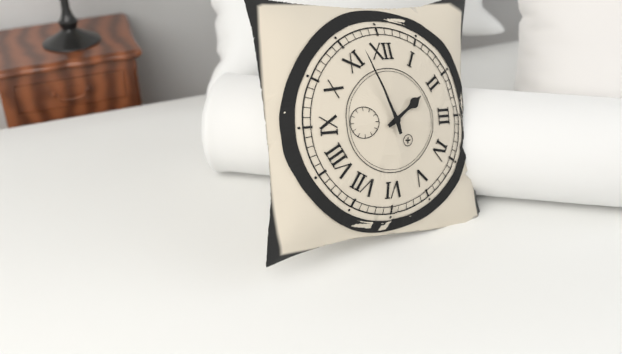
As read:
1:57
